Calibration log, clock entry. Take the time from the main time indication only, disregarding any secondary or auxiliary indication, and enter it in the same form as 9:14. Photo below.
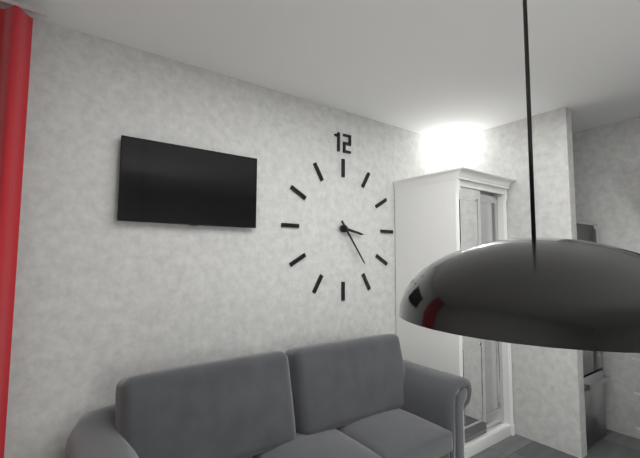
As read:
3:24
